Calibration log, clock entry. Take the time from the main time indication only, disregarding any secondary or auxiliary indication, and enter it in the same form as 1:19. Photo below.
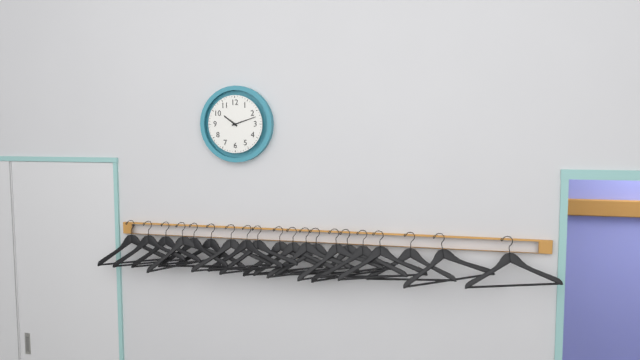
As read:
10:12
